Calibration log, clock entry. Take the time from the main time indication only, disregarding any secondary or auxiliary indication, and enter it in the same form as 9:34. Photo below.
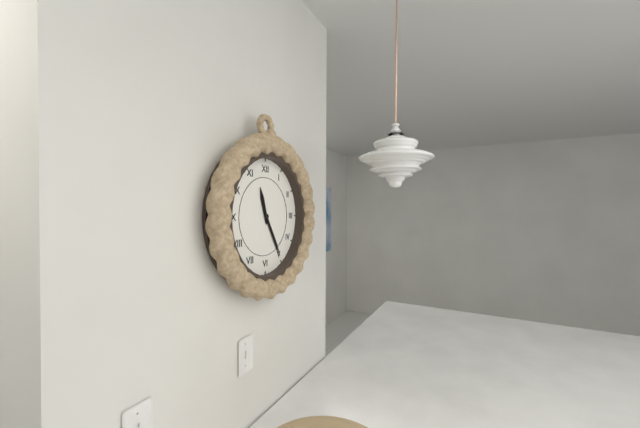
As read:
11:25
